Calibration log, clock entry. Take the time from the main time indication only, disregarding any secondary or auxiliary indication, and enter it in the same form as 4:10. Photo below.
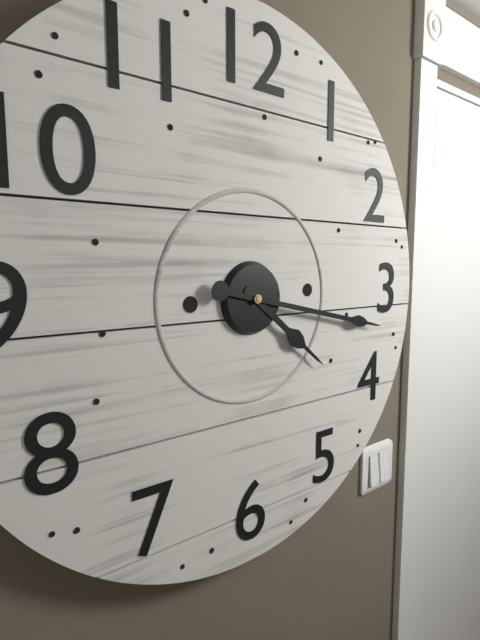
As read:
4:17
